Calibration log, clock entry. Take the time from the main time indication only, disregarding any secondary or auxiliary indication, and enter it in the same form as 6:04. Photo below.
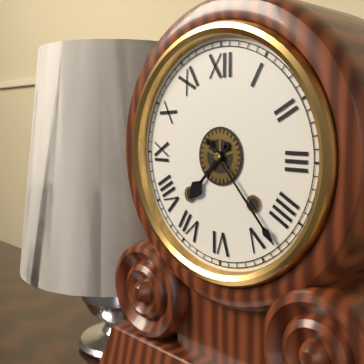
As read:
7:23
